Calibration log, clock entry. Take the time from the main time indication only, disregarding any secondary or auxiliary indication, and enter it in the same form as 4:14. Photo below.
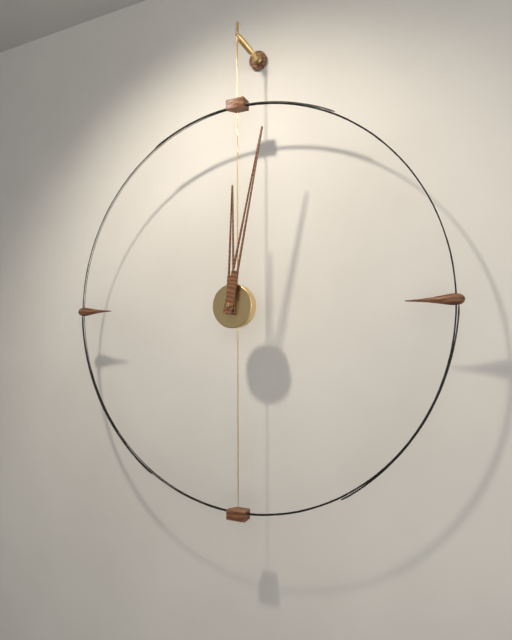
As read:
12:02
